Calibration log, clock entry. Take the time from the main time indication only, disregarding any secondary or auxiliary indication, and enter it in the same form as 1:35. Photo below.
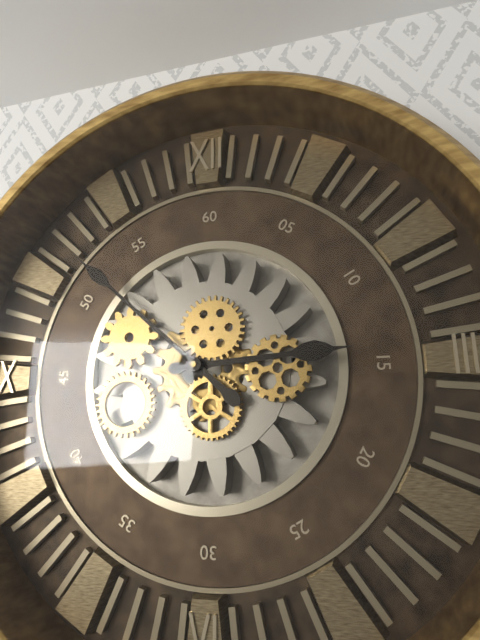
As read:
2:52
